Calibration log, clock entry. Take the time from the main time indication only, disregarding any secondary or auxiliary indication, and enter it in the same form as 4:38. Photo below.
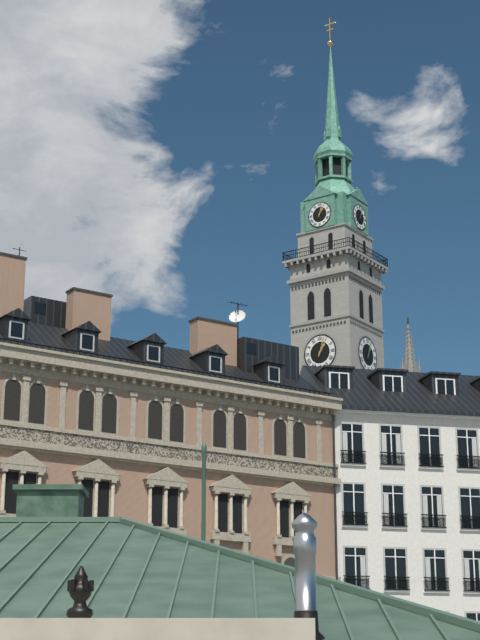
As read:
1:03
